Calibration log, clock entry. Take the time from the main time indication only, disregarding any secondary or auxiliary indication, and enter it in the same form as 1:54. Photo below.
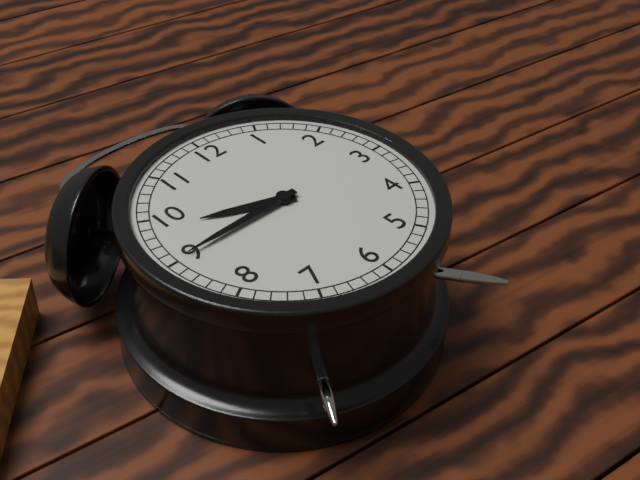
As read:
9:45
